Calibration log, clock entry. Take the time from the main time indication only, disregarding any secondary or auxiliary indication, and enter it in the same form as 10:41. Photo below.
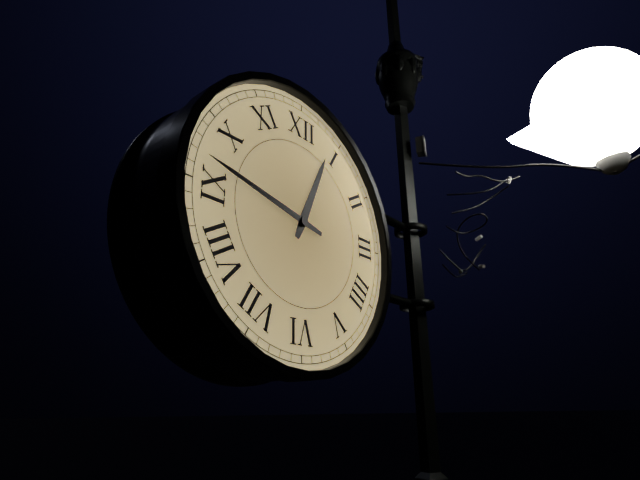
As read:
12:47
